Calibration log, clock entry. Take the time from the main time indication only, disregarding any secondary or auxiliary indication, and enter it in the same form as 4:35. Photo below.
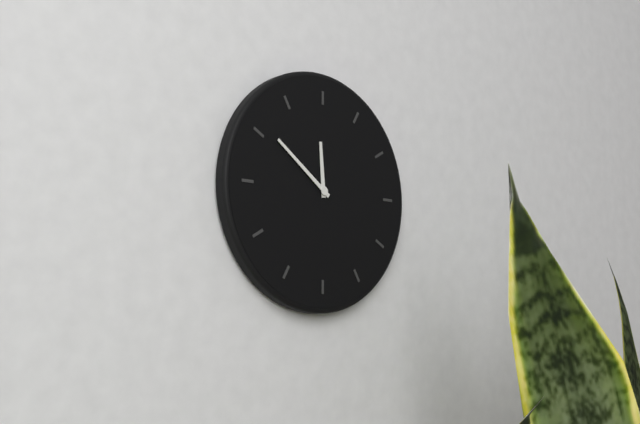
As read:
11:51
